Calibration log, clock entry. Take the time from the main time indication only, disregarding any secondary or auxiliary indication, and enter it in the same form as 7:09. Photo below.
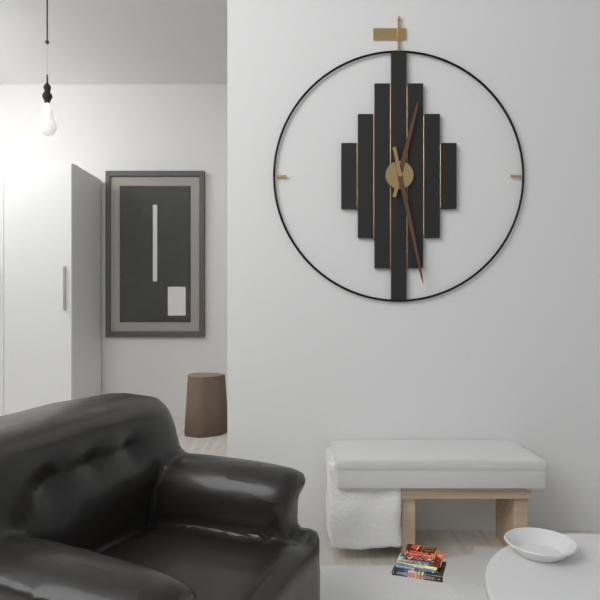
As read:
12:28
